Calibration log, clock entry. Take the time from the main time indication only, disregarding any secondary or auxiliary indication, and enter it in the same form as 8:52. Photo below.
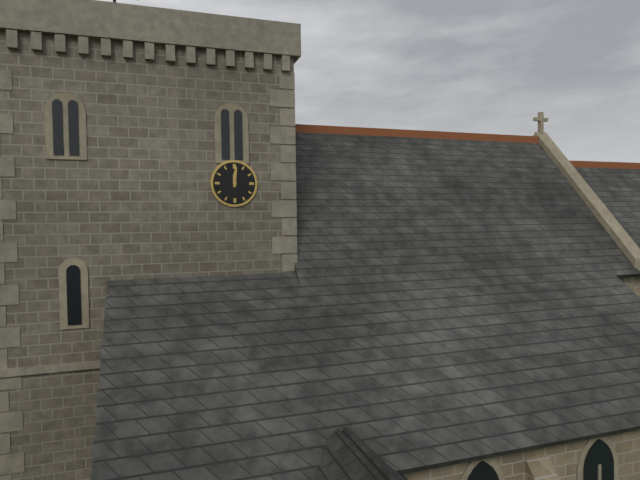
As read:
12:01
